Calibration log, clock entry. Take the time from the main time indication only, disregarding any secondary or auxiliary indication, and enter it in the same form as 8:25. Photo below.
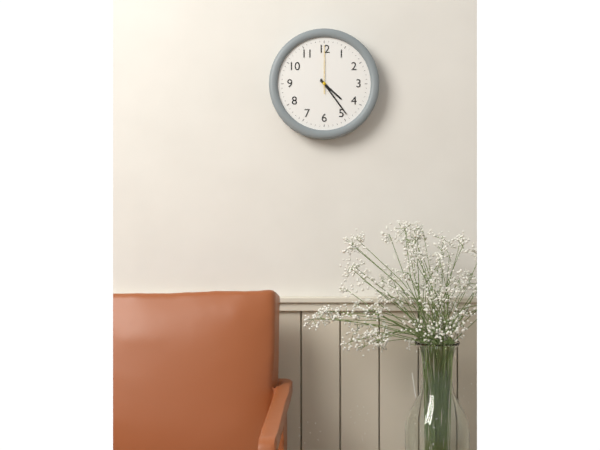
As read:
4:24
